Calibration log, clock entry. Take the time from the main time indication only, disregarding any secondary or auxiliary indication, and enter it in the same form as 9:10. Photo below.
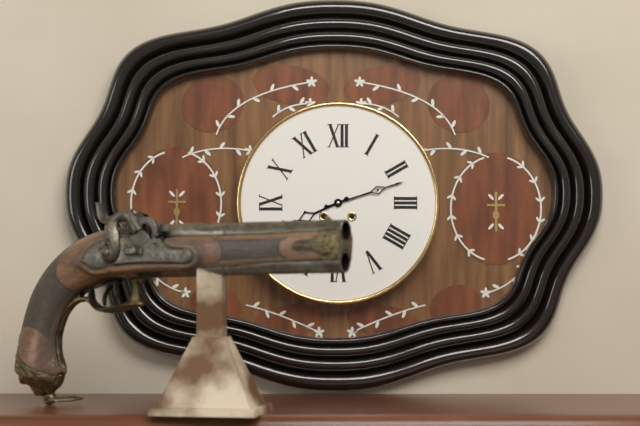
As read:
8:12
